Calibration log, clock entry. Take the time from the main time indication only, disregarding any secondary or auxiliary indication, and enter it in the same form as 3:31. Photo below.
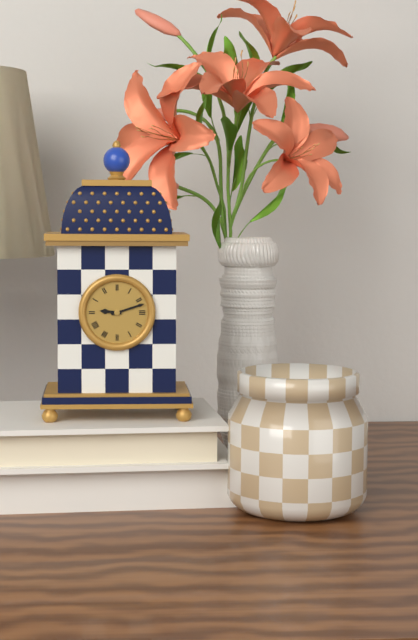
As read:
9:12
